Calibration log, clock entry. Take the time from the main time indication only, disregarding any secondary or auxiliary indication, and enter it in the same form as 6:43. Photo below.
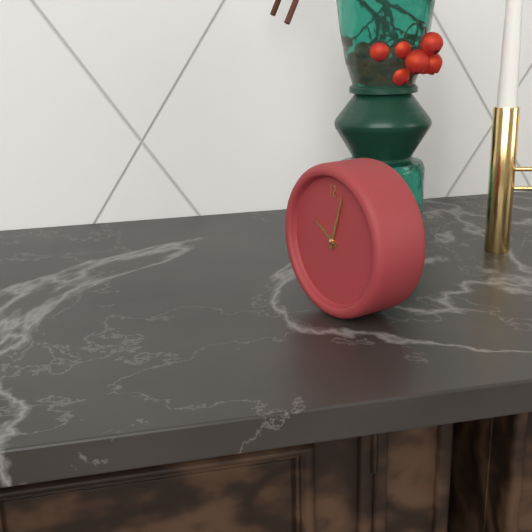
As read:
10:03
